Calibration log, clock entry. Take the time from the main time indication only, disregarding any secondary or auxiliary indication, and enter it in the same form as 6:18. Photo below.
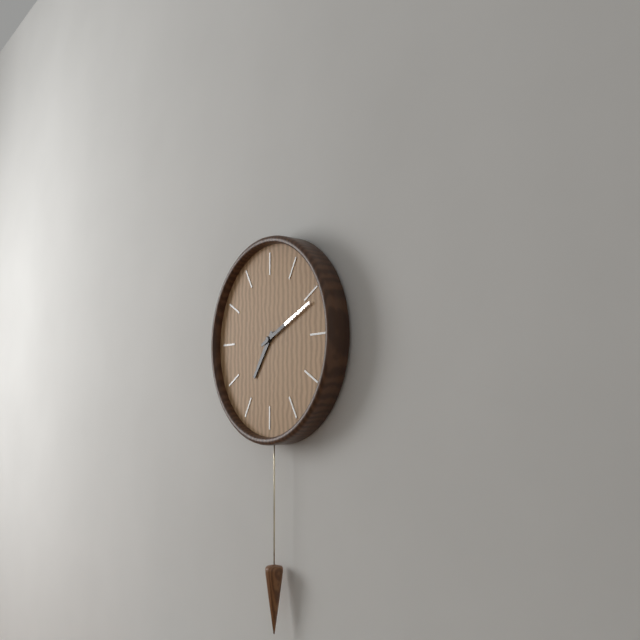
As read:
7:11
